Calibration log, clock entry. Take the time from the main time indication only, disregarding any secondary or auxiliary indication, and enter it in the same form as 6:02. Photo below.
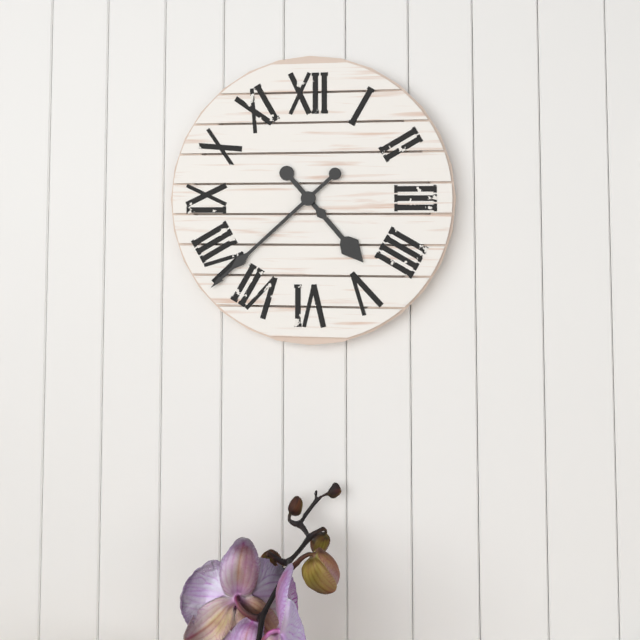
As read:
4:38
